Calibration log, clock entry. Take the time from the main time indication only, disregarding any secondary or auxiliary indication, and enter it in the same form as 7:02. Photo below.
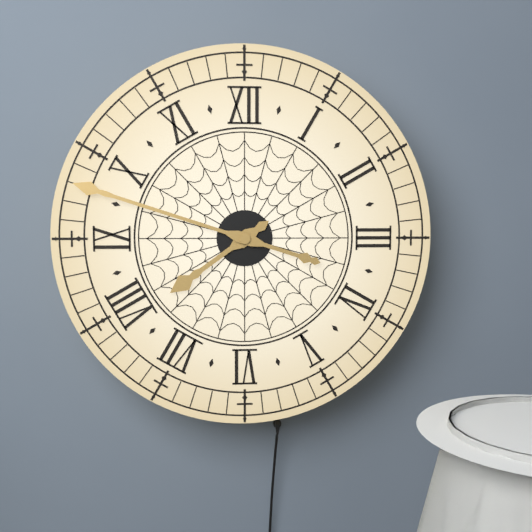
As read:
7:48
